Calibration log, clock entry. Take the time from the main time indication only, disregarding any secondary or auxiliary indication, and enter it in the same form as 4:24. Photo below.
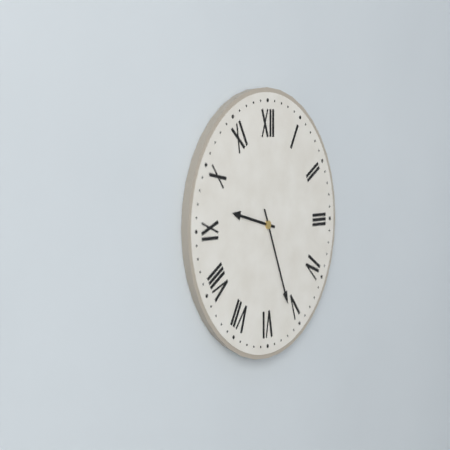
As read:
9:26
